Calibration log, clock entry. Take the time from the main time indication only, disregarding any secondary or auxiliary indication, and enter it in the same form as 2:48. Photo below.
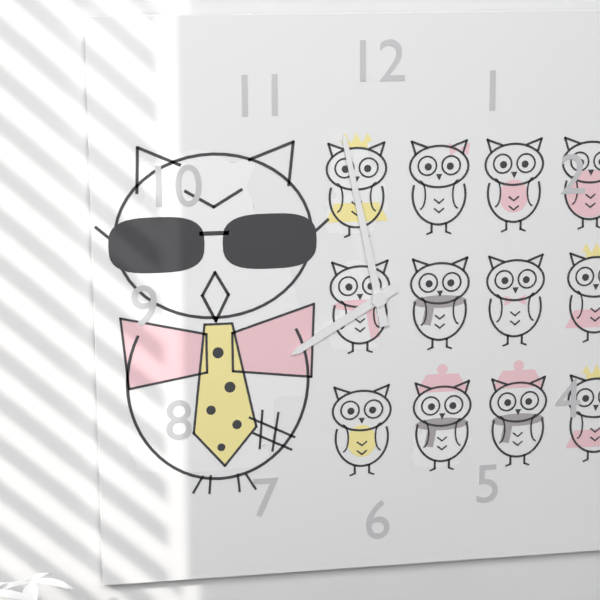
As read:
7:58
